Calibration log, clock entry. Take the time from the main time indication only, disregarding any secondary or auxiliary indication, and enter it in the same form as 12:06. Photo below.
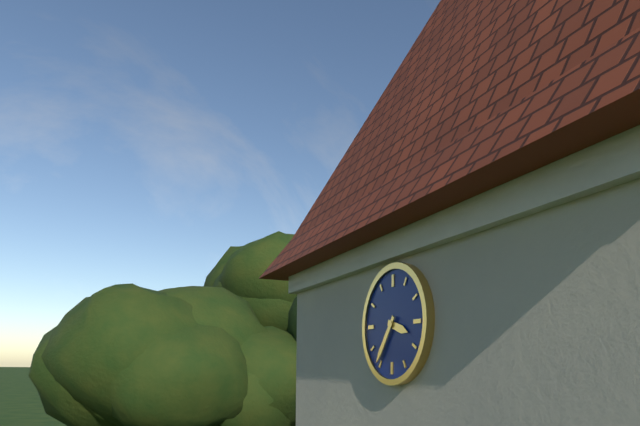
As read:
3:36
